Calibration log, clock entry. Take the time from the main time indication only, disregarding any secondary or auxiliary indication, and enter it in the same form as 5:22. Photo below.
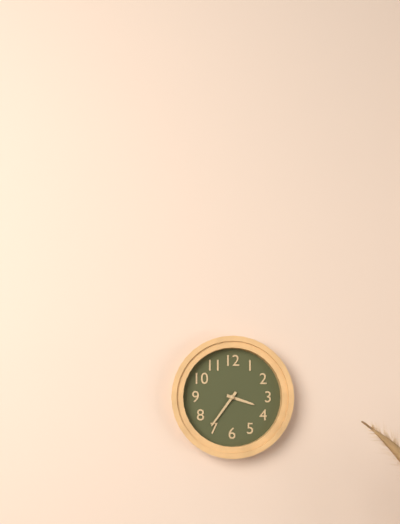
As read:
3:36
